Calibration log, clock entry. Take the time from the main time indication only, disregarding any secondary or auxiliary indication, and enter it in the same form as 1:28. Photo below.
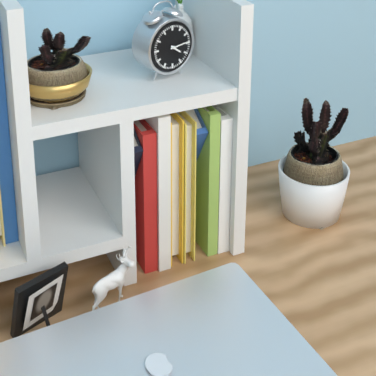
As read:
4:14
